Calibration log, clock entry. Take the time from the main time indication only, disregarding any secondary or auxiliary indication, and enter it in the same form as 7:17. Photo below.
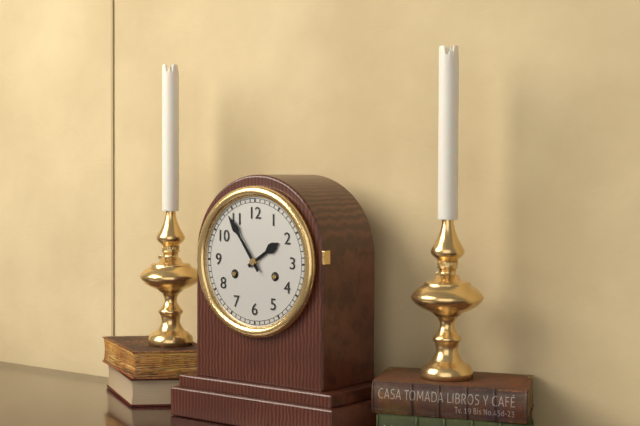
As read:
1:54
